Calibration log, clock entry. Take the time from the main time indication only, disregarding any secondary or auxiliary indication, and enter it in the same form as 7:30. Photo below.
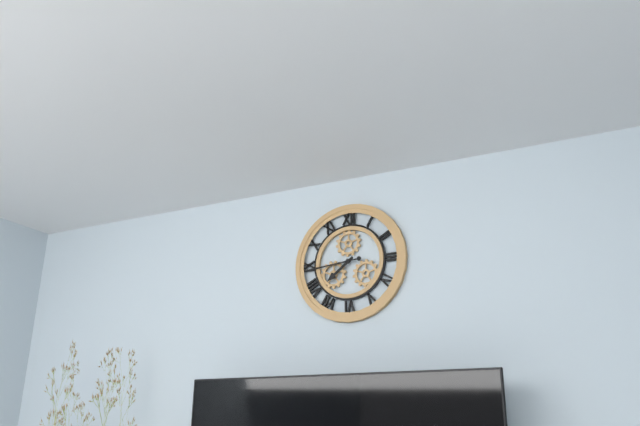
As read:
7:44
